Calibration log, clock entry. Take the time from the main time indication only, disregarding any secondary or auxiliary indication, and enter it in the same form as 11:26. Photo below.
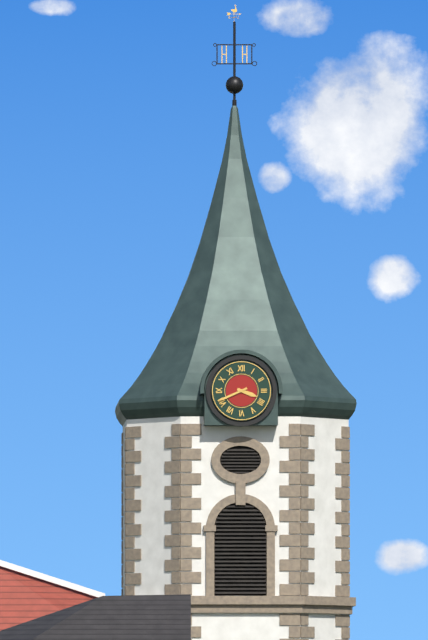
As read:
3:41
